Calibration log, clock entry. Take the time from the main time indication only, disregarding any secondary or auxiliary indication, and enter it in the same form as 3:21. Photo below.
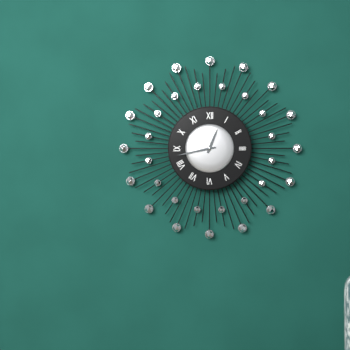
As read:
12:43
